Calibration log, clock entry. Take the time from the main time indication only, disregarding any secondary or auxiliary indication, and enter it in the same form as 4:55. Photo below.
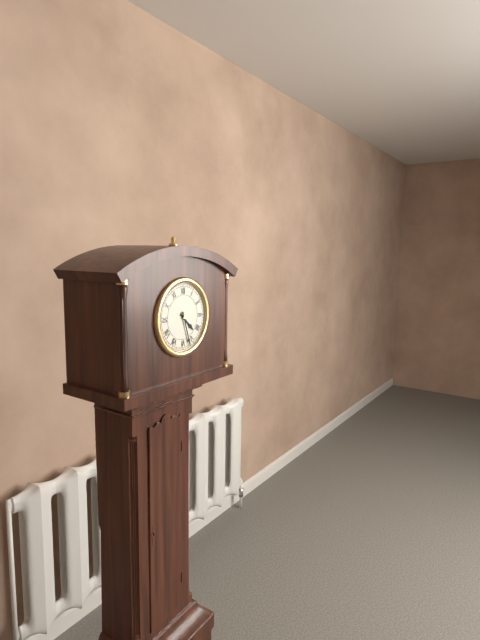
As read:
4:27
